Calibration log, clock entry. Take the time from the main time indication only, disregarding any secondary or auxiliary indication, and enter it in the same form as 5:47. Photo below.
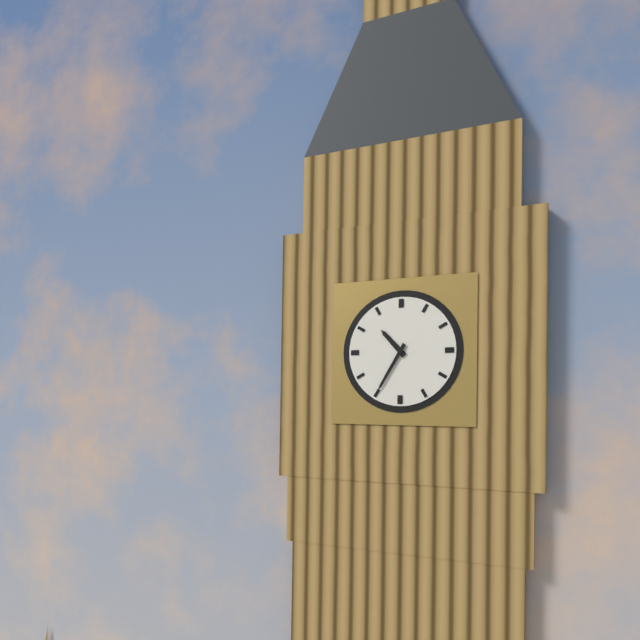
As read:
10:35
